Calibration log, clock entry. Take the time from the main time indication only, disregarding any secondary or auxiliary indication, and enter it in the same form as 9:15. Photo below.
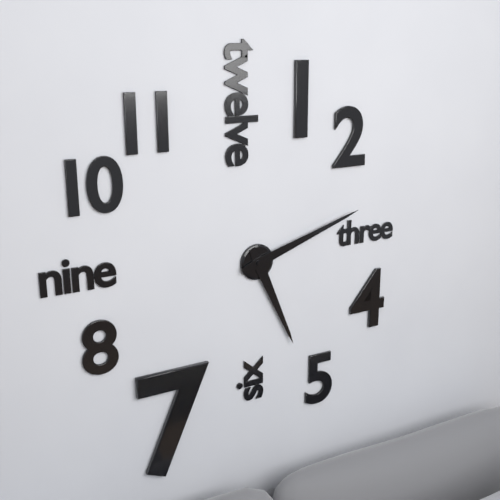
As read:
5:12
